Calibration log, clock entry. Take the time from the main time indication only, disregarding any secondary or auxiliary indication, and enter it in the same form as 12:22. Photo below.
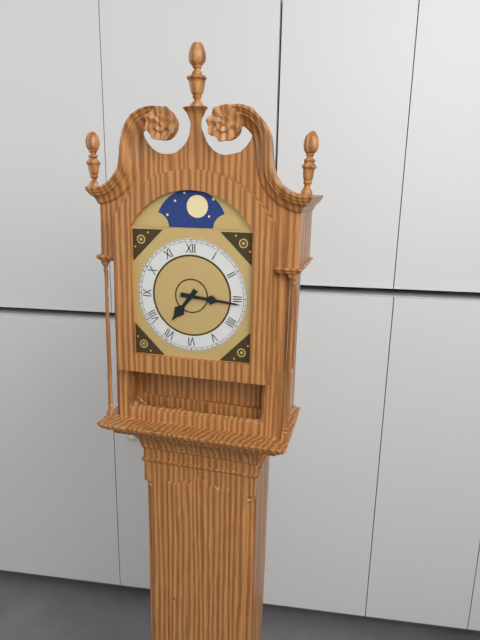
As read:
7:16
